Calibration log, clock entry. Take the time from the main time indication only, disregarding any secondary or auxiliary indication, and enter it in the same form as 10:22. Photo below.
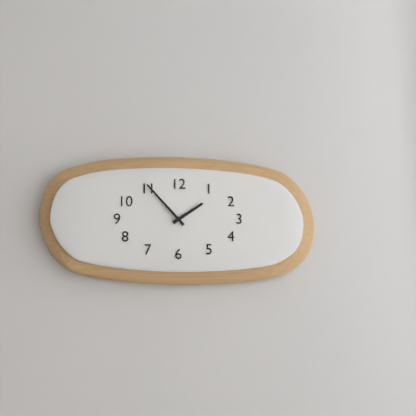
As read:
1:53
